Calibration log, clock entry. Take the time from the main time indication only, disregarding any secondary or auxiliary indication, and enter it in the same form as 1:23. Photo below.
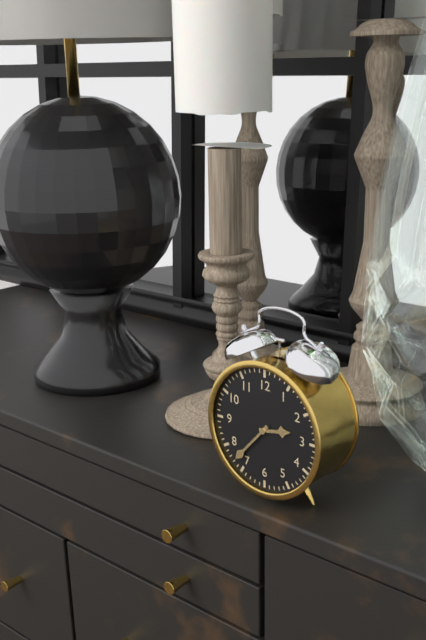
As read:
2:37
